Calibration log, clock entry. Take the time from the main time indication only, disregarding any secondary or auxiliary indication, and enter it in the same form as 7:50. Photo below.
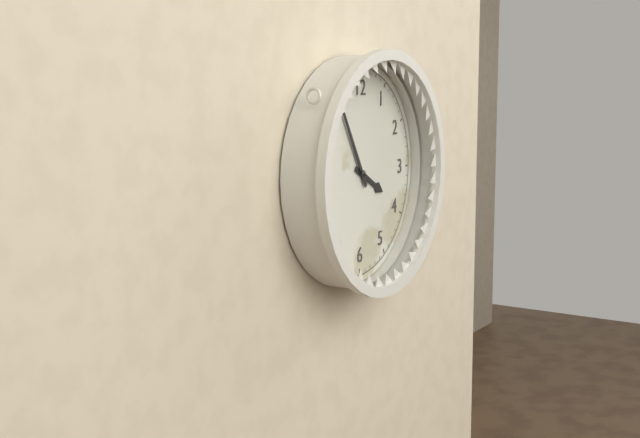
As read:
3:55
